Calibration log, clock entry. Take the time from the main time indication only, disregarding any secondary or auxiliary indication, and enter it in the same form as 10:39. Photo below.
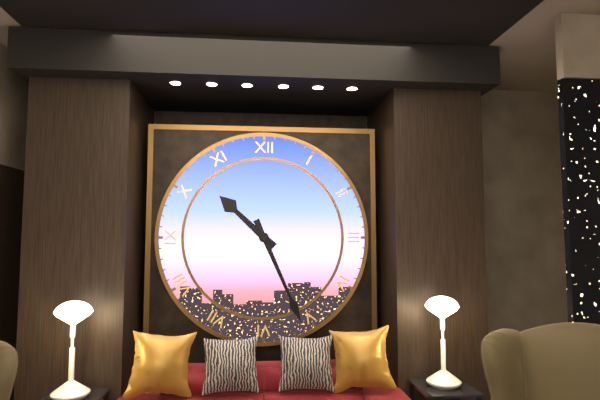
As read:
10:26
